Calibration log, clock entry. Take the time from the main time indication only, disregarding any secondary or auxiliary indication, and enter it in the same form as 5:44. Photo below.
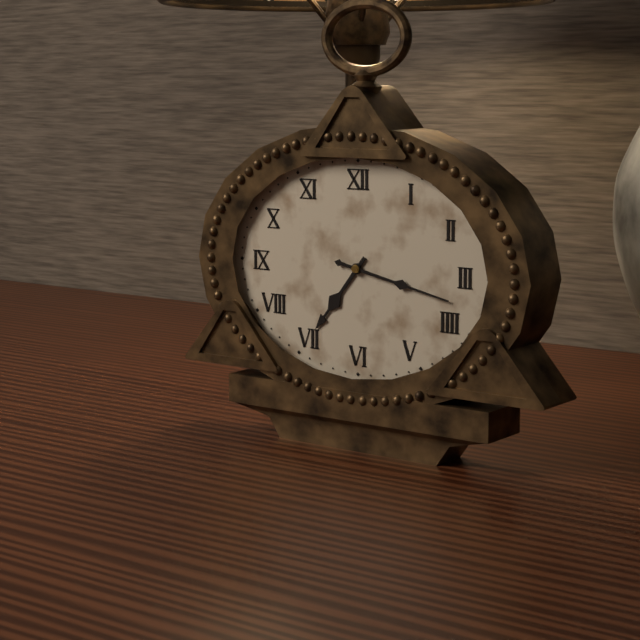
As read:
7:17
